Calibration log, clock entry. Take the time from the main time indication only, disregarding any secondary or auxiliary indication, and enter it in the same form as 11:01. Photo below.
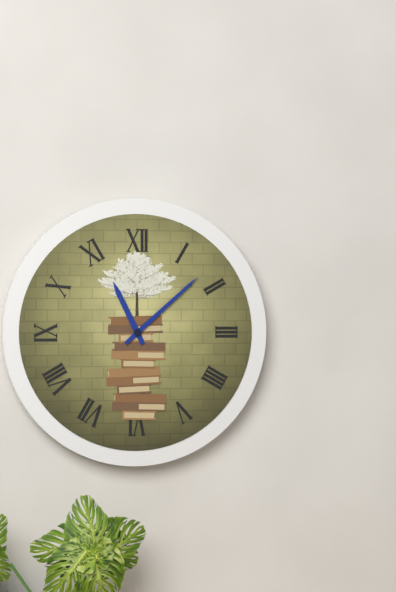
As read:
11:08
